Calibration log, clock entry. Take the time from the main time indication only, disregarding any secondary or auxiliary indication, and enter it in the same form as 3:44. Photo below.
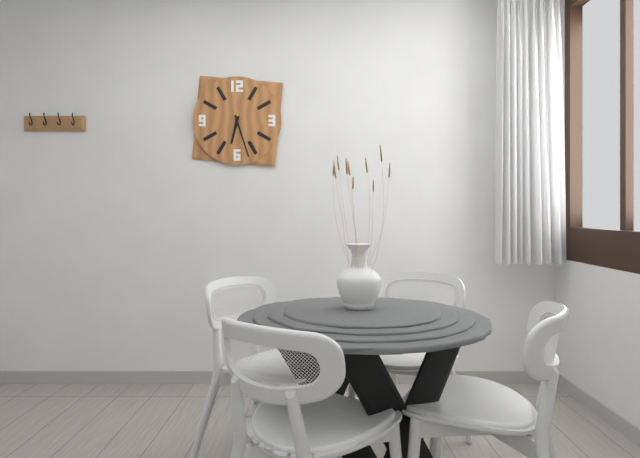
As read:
6:27
